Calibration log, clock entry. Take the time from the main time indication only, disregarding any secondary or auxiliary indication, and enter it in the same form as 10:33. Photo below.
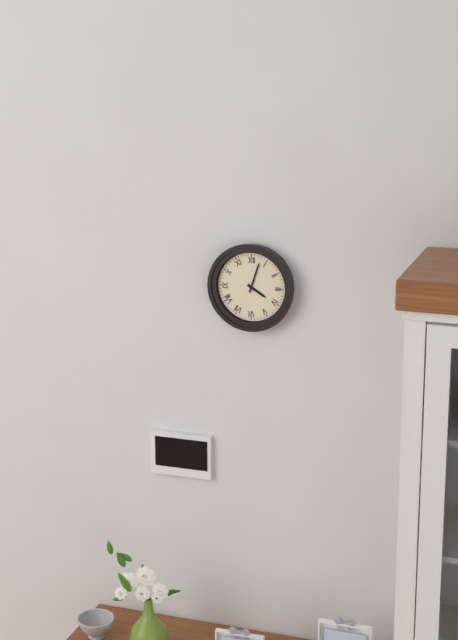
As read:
4:03
